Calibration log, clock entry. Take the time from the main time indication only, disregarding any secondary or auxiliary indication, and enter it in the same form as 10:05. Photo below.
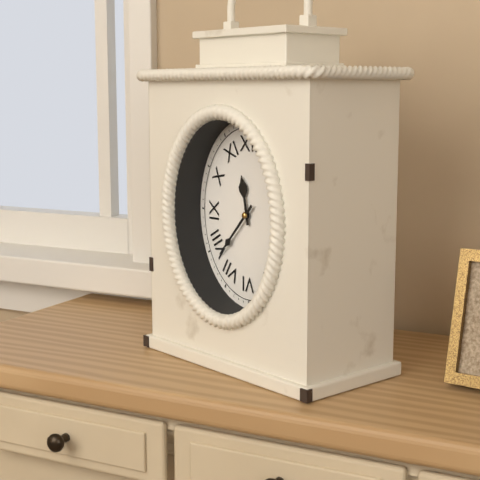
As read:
11:37
